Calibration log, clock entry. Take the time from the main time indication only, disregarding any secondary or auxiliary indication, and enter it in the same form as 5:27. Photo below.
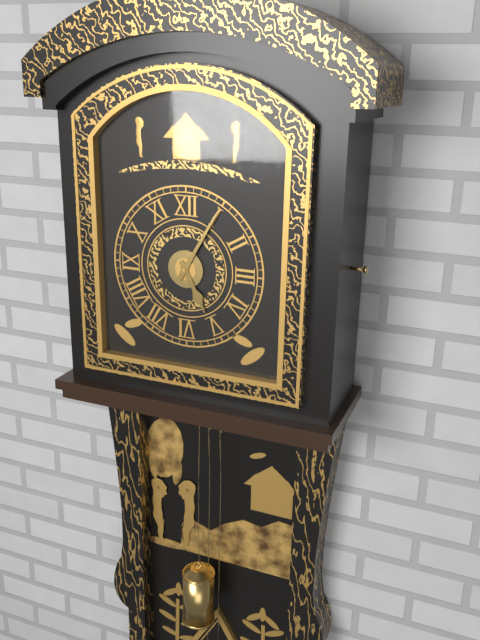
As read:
5:05
